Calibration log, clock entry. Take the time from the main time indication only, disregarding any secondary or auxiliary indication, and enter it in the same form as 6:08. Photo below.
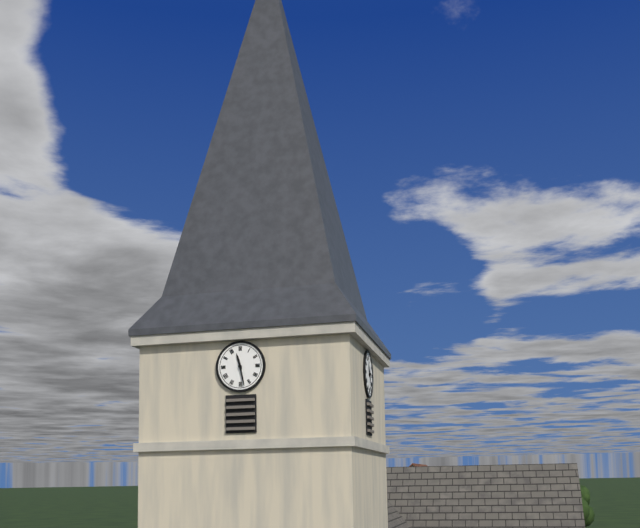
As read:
11:28
